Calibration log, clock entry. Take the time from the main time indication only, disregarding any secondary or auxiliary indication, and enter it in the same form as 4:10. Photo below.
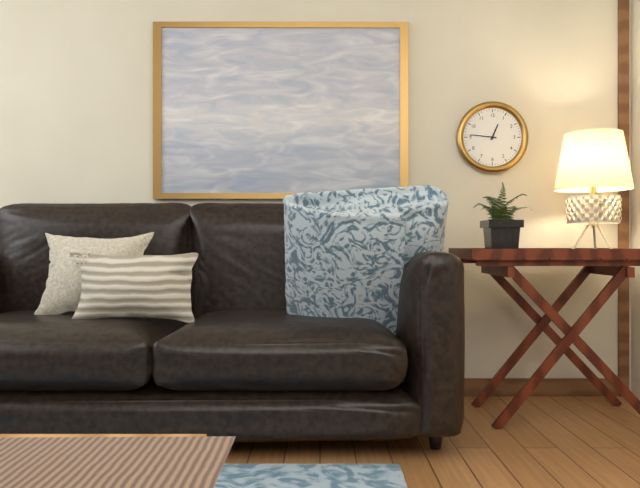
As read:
12:46
